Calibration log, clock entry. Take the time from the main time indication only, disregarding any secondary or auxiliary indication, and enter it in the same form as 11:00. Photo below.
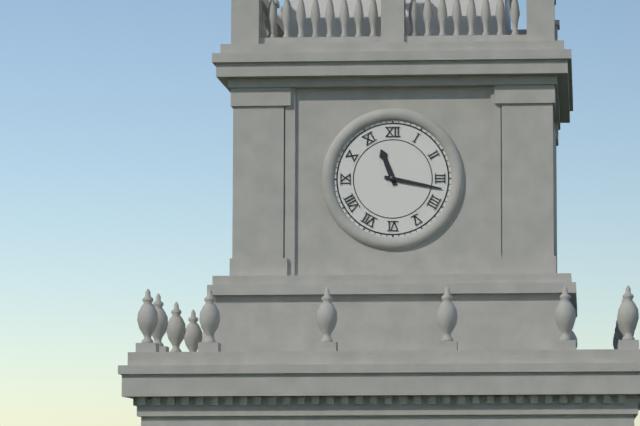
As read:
11:17
